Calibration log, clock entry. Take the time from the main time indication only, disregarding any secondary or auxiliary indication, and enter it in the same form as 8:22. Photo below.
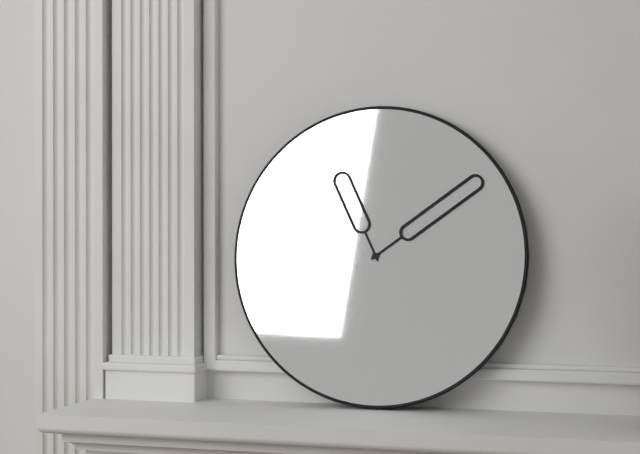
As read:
11:09
